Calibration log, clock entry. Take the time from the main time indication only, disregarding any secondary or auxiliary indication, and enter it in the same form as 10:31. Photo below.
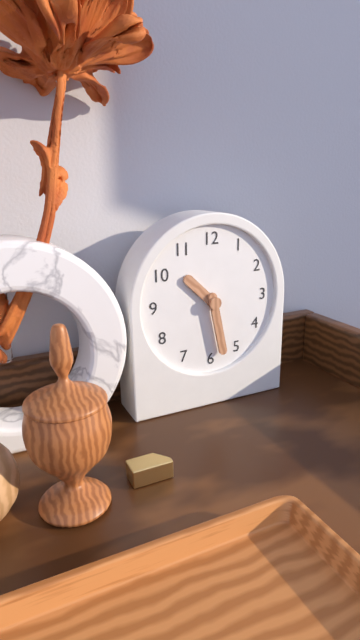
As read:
10:28
